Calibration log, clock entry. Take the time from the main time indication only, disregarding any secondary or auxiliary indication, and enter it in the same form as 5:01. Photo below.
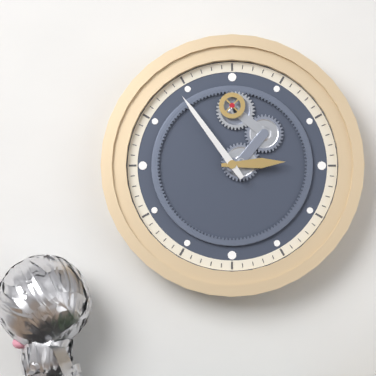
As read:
2:54
